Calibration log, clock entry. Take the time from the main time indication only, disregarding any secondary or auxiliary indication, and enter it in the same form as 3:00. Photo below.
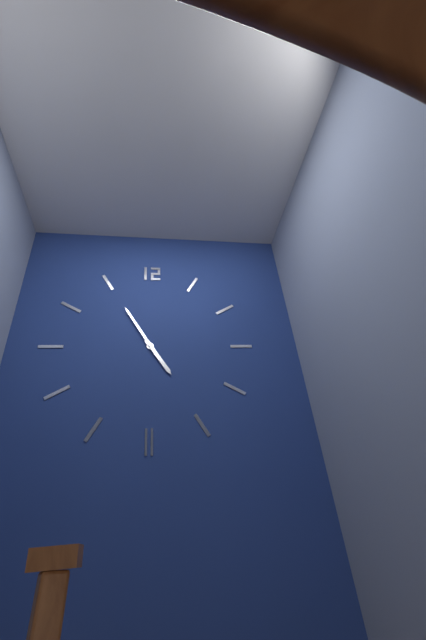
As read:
4:55
